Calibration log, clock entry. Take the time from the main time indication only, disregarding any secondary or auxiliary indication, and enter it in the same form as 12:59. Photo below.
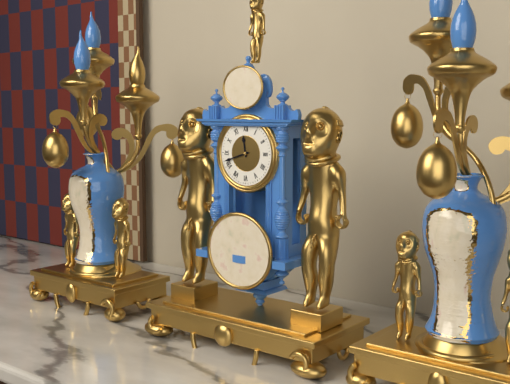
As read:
11:42
